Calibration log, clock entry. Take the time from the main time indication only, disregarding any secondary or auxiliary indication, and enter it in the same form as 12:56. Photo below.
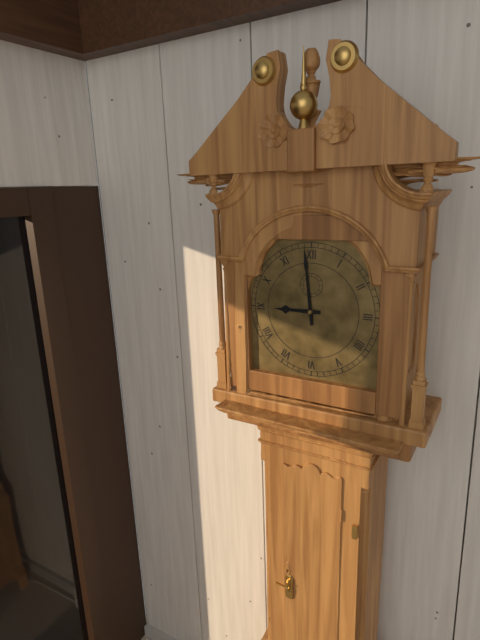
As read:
8:59
